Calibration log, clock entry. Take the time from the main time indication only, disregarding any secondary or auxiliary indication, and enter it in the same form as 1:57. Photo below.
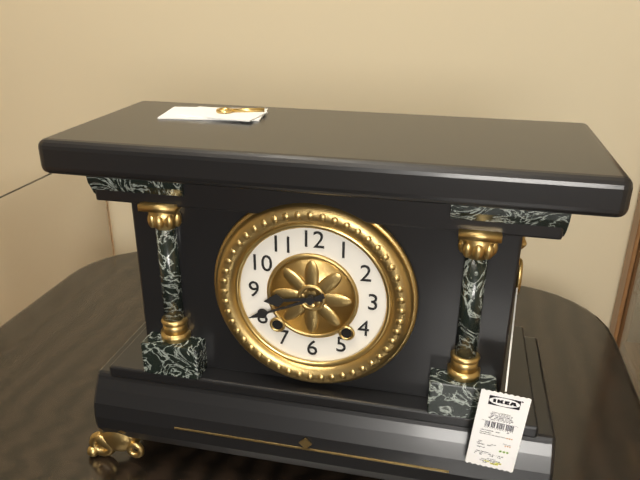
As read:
8:41
